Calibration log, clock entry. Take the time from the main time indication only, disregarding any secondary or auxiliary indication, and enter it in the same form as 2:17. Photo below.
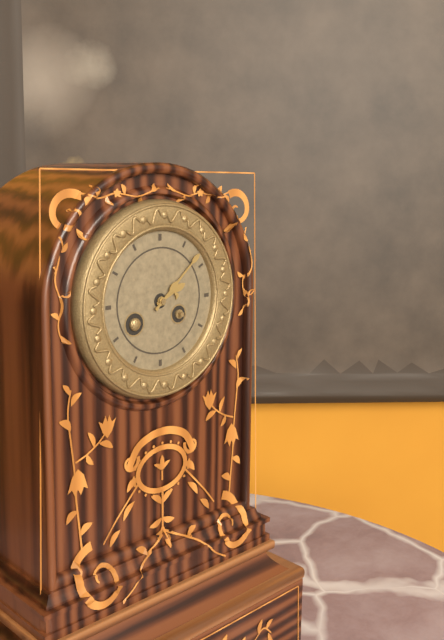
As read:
2:08
